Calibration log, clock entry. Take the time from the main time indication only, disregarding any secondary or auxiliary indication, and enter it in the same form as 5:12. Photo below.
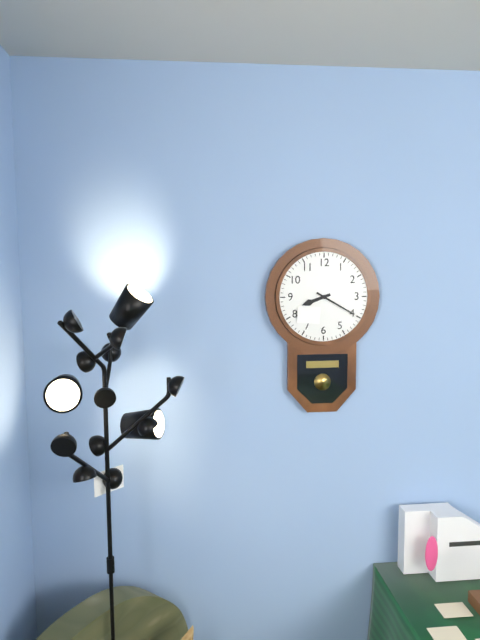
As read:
8:20
